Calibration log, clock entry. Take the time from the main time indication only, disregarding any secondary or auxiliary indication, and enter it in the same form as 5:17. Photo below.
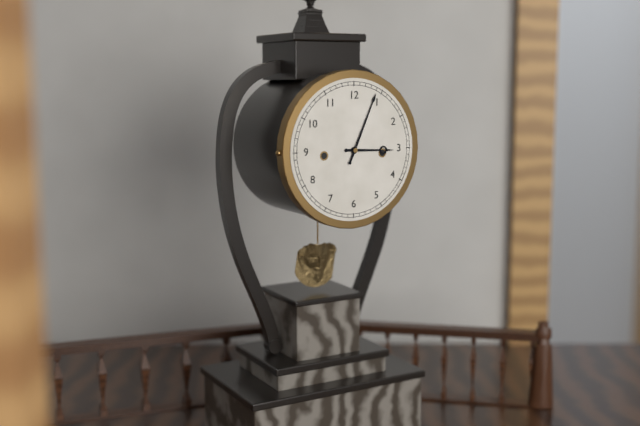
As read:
3:04
